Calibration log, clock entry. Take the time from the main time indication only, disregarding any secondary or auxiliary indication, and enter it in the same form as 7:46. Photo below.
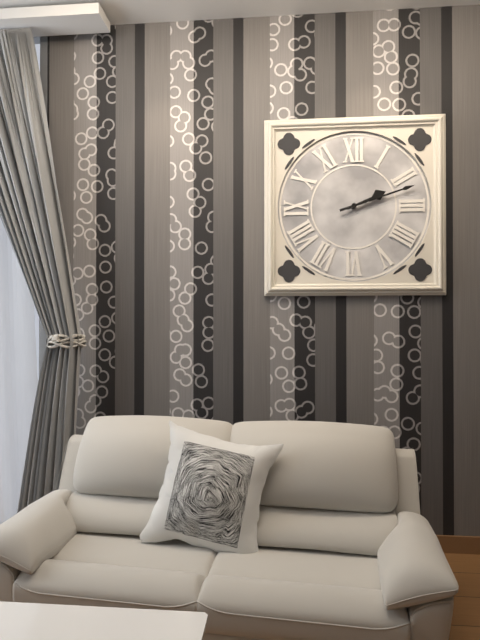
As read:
2:12
